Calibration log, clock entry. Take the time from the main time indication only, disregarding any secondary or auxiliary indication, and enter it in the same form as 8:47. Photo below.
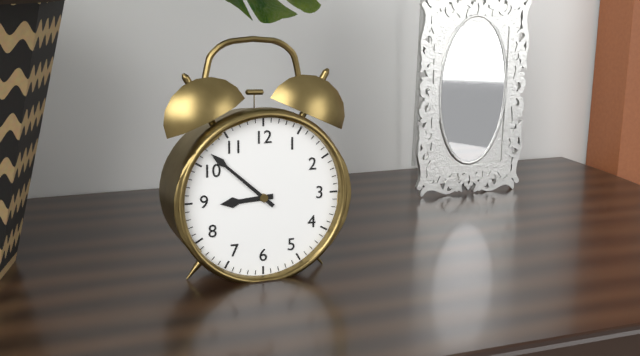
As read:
8:52
